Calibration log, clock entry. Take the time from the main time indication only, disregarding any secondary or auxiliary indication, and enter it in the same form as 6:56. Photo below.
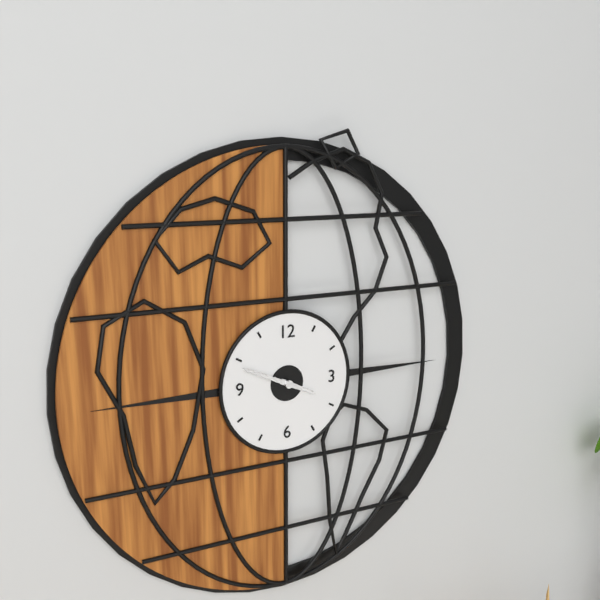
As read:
3:49
